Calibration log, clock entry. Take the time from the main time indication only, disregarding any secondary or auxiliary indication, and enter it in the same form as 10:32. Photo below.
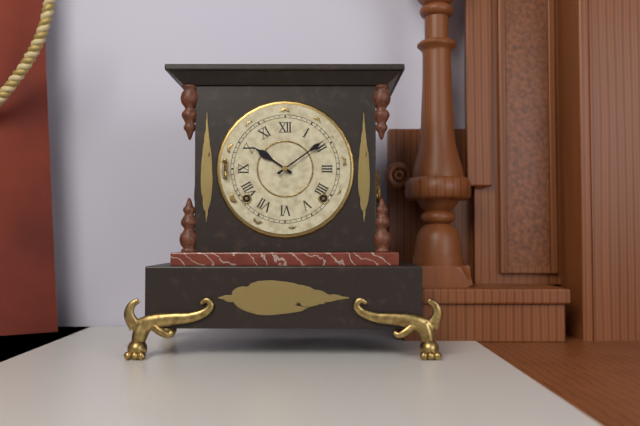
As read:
10:09
